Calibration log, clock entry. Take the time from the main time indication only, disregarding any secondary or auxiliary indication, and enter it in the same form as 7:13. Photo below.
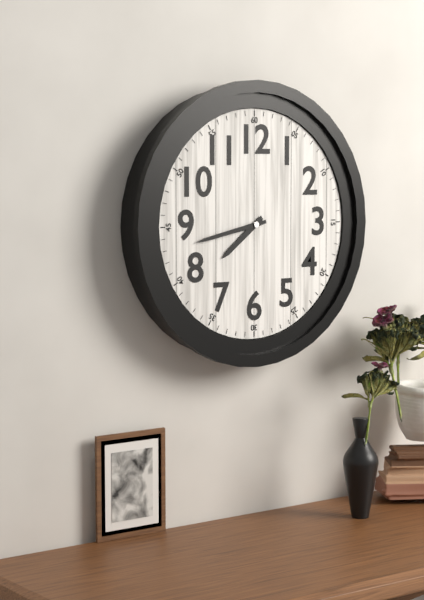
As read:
7:43
